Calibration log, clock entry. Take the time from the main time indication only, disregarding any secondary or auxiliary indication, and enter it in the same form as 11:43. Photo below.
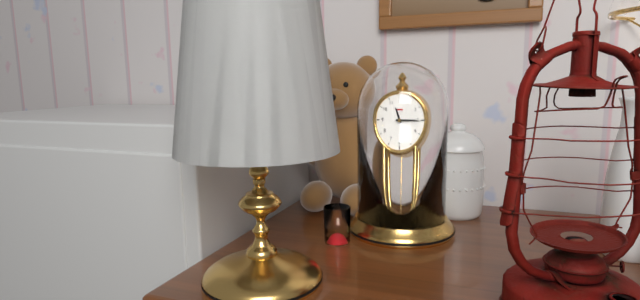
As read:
11:15
